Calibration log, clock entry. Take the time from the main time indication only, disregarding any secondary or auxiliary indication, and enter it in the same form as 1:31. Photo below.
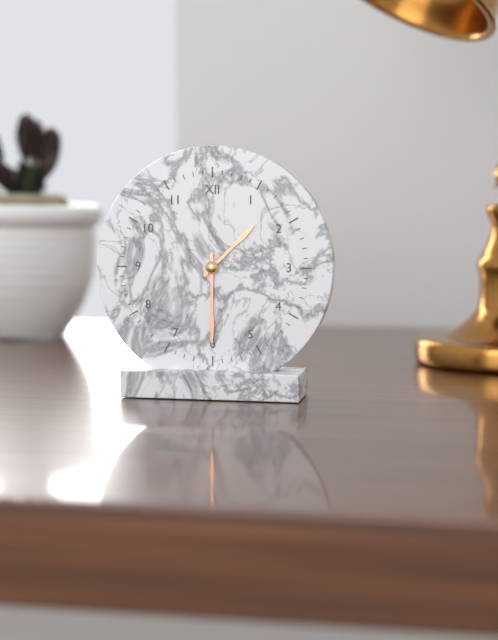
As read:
1:30
